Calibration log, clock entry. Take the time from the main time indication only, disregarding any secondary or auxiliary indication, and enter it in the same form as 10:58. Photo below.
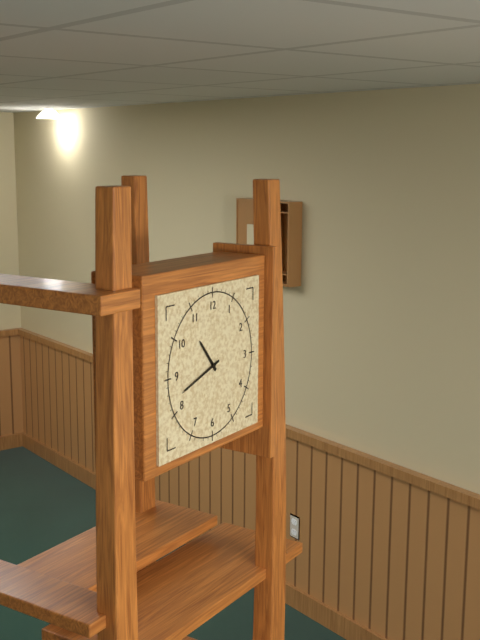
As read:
10:42
